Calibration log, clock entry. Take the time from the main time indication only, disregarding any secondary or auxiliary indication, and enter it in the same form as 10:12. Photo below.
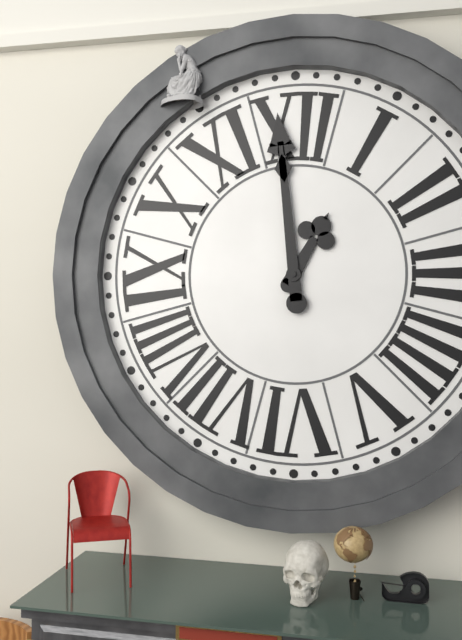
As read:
12:59
